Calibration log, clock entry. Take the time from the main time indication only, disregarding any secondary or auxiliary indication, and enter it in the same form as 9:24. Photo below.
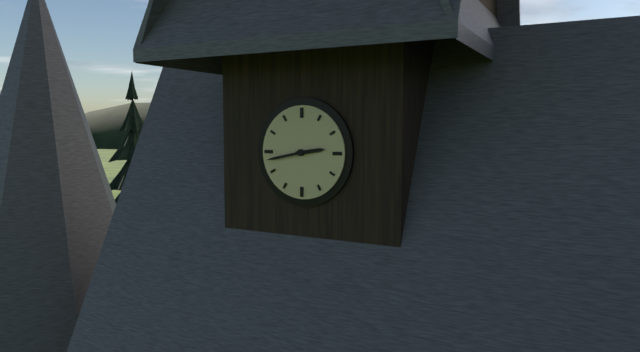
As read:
2:43
